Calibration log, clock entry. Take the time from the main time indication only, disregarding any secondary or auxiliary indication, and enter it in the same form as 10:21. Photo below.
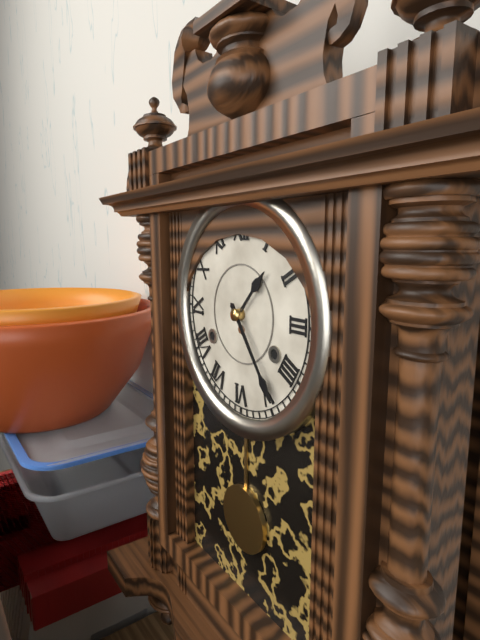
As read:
1:24
